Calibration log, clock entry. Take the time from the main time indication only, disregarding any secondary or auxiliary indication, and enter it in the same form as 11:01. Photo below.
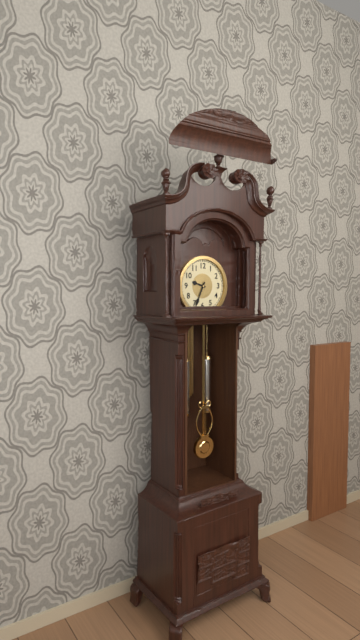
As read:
9:34
